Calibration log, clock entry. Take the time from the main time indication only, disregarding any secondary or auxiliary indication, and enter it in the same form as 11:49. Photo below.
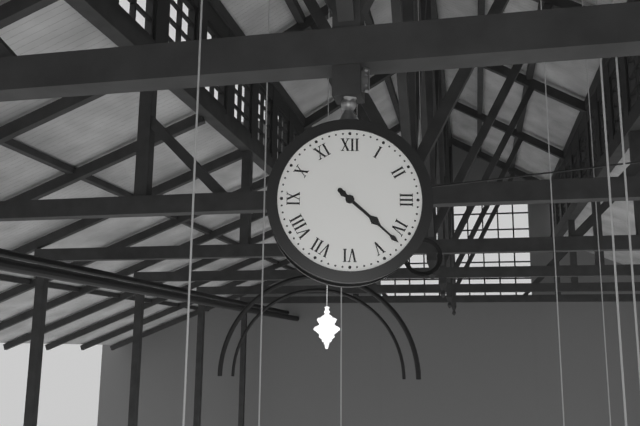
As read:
4:22
